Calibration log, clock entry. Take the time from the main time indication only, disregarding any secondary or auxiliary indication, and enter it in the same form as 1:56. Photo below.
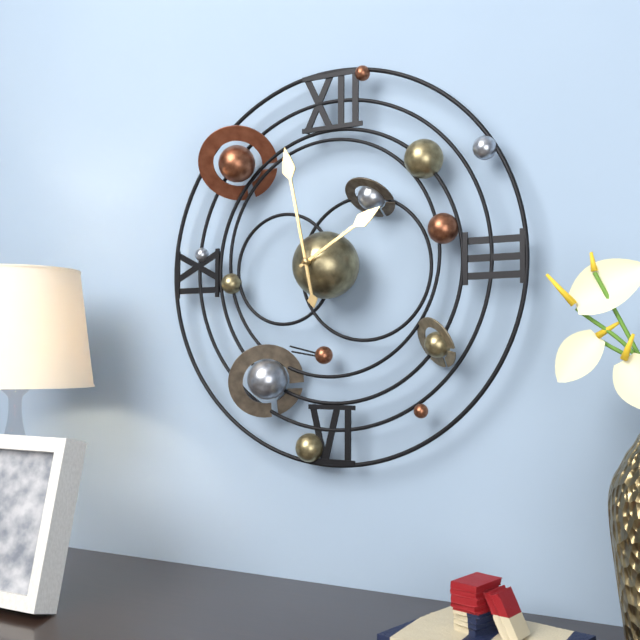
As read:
1:58
